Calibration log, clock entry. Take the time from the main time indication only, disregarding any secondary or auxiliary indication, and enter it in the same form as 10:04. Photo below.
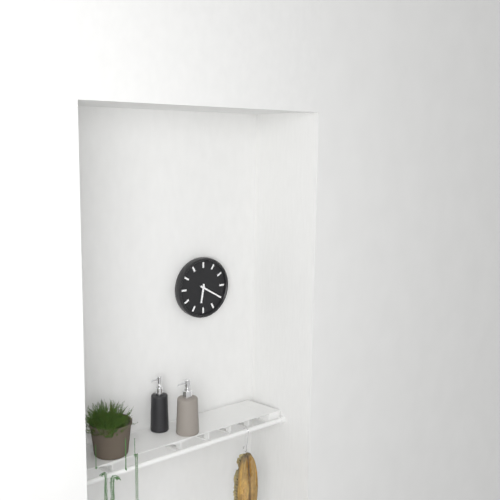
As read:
6:20
